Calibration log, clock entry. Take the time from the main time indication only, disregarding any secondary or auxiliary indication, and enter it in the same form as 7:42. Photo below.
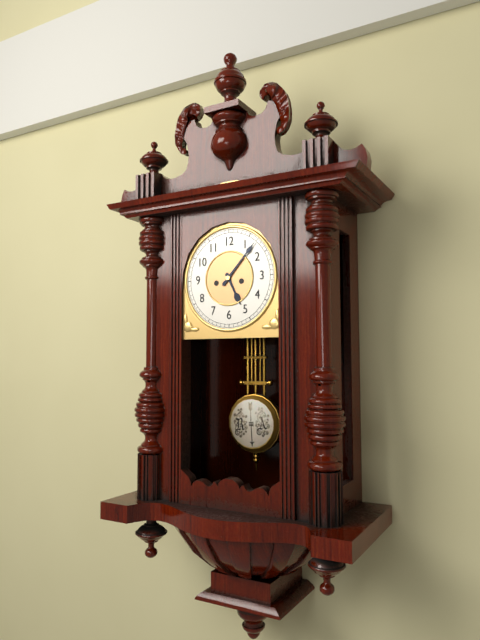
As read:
5:07
